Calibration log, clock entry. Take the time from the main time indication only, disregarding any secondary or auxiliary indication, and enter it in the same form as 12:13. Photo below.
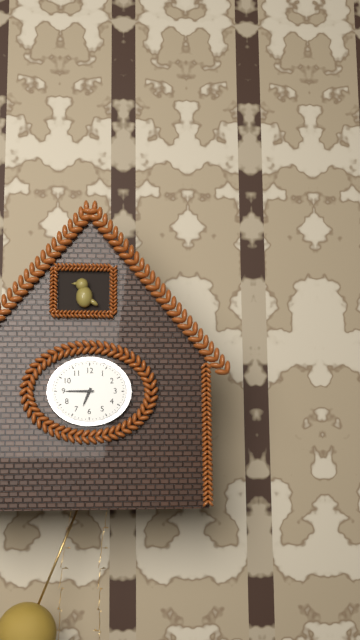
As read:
6:45
